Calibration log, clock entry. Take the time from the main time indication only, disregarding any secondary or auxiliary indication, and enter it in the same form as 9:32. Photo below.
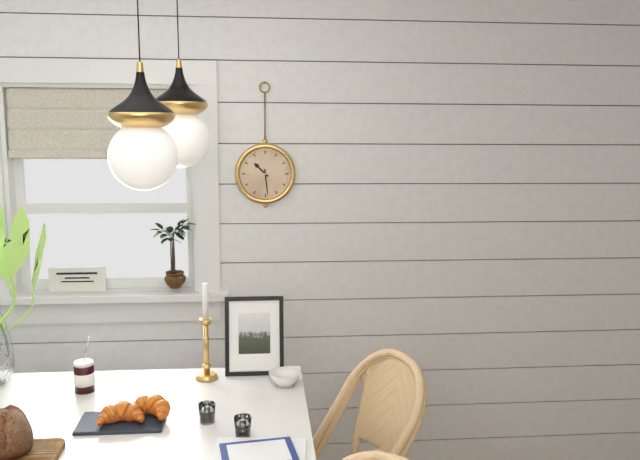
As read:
10:29
